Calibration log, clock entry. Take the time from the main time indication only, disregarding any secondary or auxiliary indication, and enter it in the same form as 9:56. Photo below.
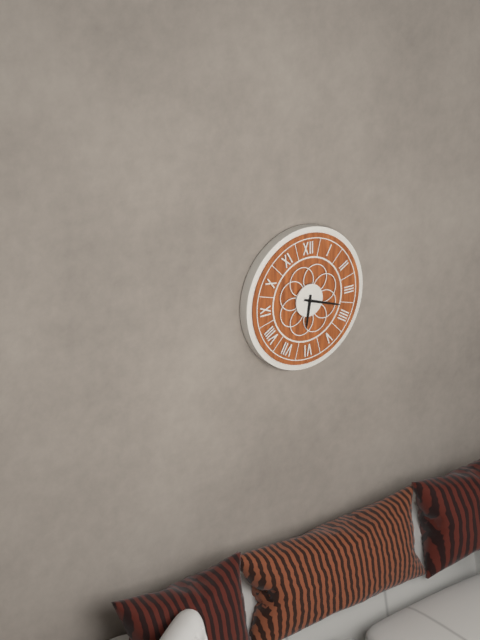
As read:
6:18
